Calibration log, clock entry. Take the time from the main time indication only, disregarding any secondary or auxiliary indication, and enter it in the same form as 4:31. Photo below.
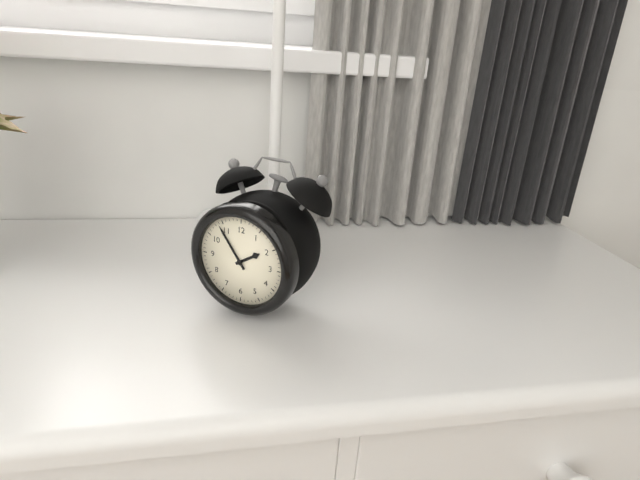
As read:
1:54
